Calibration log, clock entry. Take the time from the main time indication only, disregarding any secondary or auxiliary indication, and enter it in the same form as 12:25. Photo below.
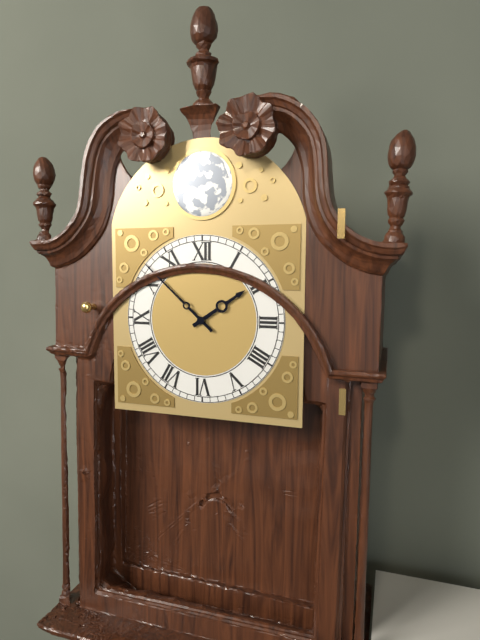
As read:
1:52
